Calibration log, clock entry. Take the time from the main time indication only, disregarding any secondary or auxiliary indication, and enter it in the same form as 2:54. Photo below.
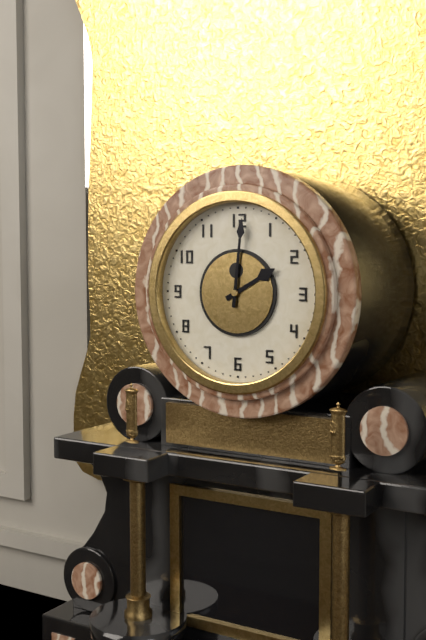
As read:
2:01
